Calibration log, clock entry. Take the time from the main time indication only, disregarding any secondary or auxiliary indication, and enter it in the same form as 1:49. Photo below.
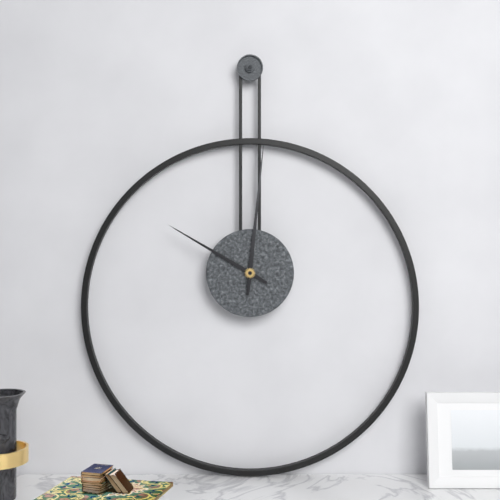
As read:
10:01
